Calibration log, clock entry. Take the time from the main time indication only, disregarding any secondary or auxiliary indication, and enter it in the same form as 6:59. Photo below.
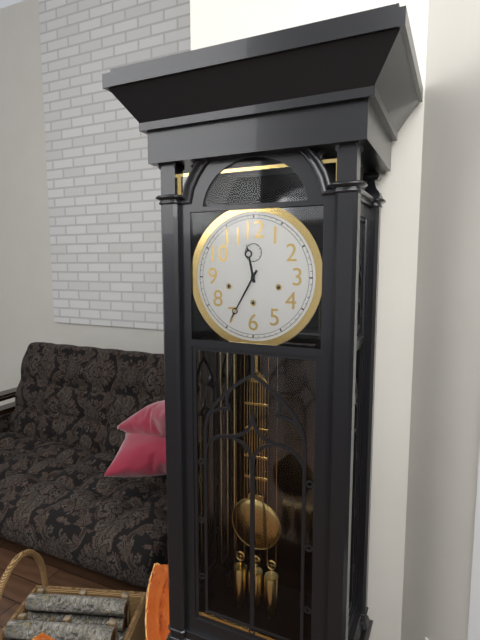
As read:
11:35
